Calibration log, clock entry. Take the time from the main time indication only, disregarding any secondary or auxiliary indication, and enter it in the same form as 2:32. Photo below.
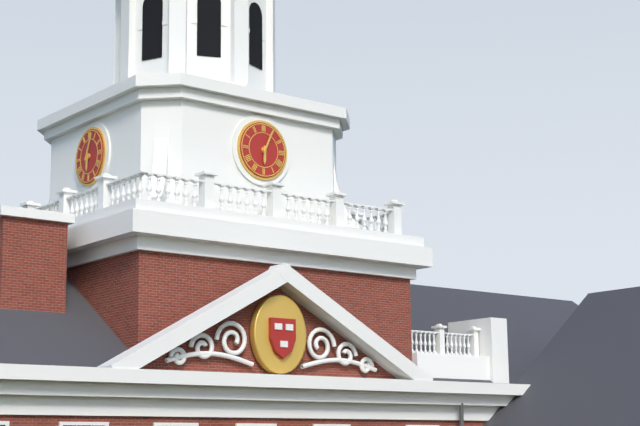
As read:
6:04
